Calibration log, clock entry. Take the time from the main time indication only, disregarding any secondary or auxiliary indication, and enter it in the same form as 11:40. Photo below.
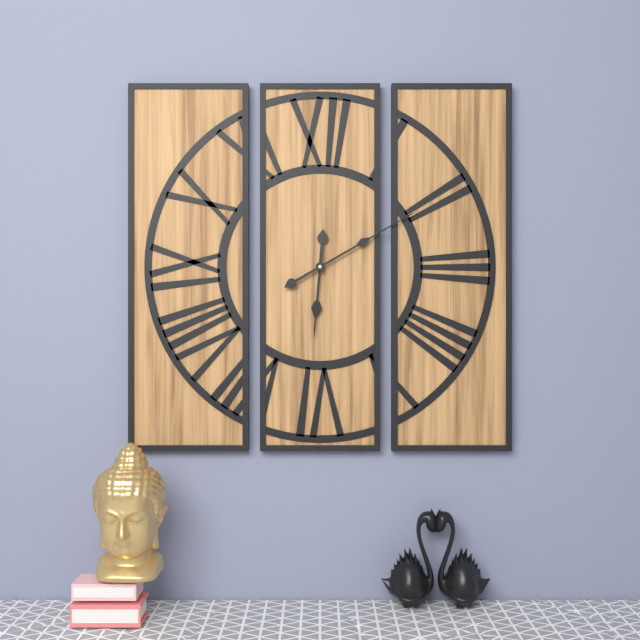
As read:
6:10
